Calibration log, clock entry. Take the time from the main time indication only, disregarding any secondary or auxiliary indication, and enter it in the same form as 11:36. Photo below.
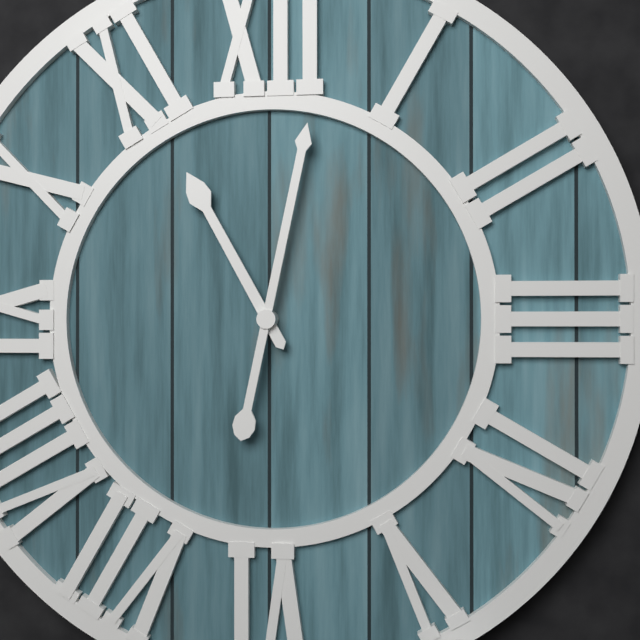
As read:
11:02
